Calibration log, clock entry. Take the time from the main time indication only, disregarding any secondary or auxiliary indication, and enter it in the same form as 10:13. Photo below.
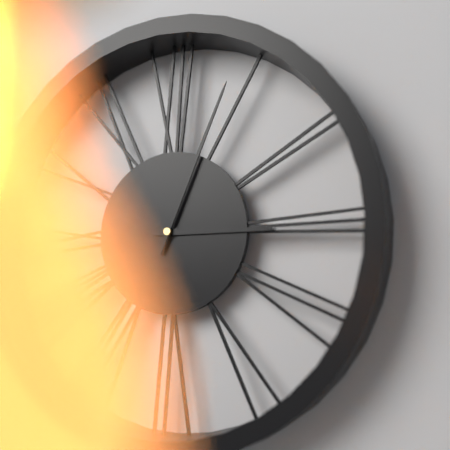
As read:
3:04
